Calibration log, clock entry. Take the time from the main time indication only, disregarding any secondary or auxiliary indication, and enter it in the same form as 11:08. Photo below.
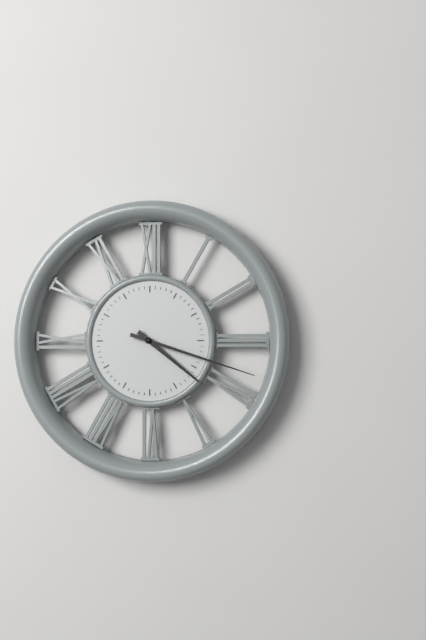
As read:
4:18
